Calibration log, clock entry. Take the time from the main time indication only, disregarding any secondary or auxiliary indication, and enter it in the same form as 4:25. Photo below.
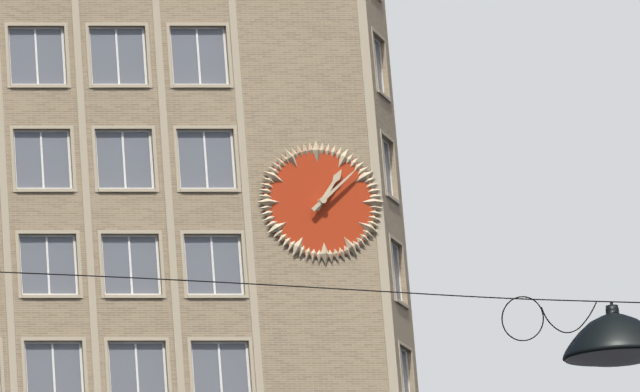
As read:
1:08
